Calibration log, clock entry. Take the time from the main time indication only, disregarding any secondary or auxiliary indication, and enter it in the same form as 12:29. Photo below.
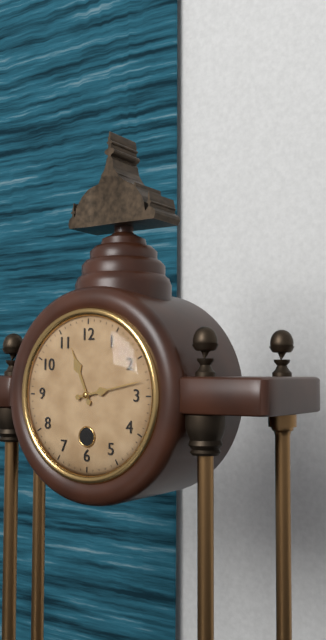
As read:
11:13
